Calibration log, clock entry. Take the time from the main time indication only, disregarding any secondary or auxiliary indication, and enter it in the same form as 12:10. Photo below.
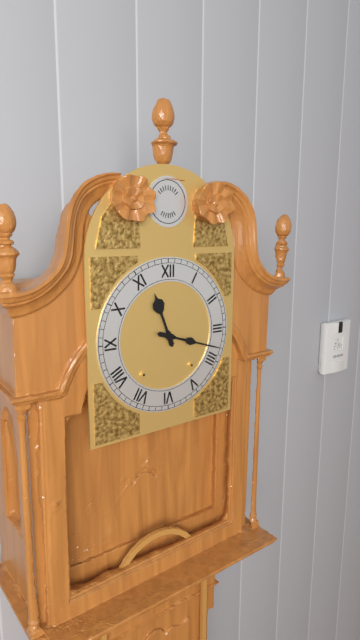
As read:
11:18
